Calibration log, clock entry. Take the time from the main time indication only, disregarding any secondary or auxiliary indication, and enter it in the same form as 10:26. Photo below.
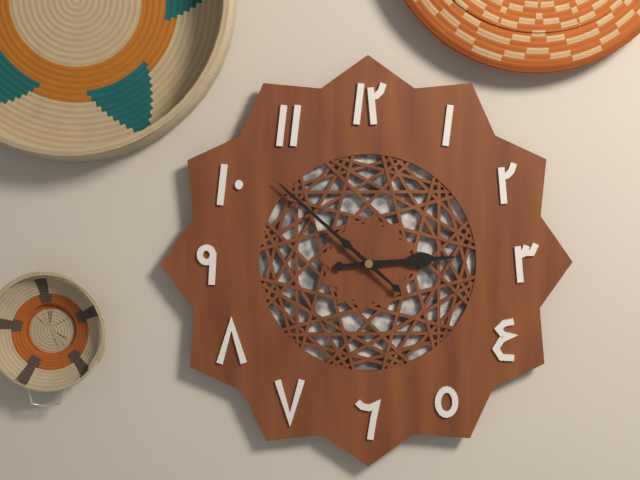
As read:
2:52
